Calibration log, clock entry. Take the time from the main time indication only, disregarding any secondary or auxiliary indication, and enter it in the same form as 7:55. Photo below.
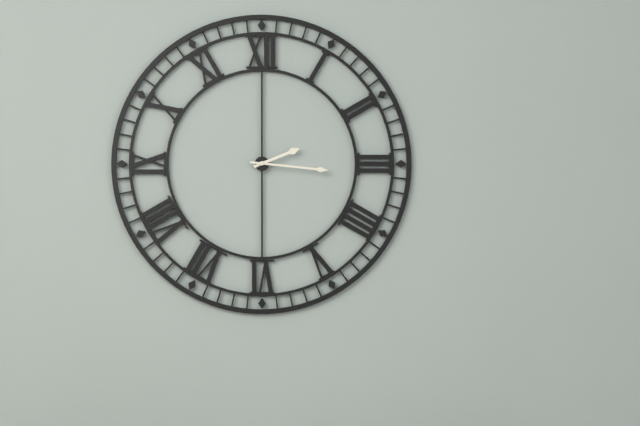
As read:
2:16
